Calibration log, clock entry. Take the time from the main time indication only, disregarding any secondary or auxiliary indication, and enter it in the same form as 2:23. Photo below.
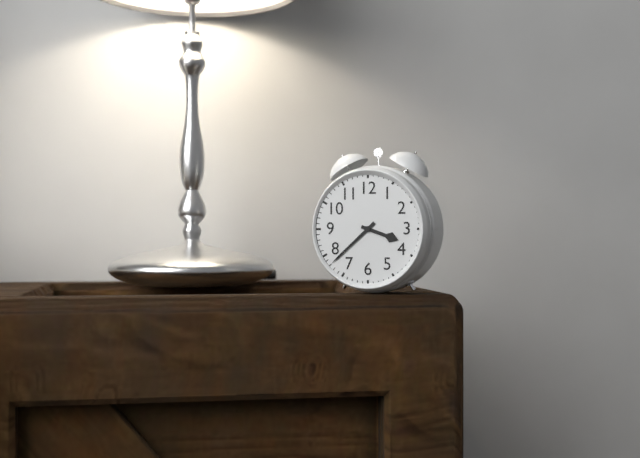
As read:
3:38
